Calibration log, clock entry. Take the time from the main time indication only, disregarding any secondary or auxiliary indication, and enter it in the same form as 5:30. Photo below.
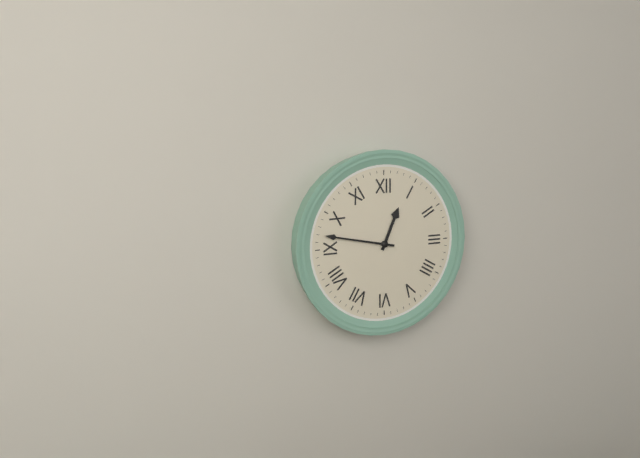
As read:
12:47
